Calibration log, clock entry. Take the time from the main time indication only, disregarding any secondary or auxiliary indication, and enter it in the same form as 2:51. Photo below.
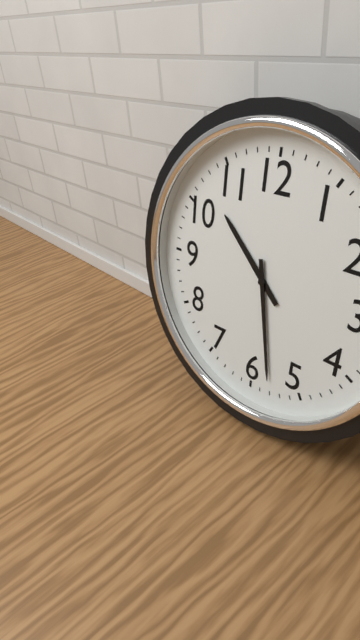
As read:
10:28
